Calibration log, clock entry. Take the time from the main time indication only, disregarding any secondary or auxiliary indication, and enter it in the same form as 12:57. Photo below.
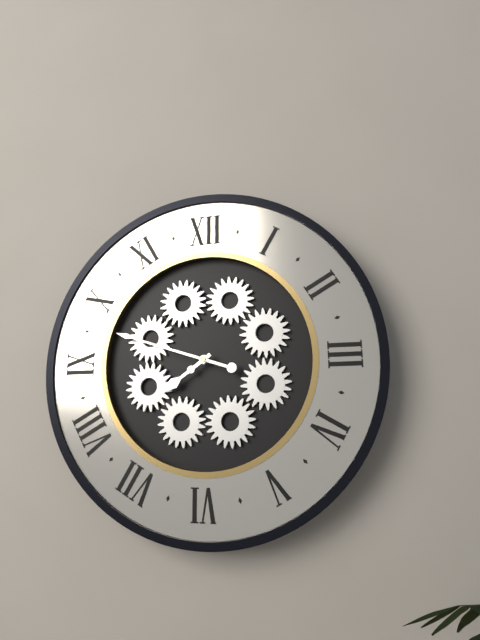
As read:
7:48
